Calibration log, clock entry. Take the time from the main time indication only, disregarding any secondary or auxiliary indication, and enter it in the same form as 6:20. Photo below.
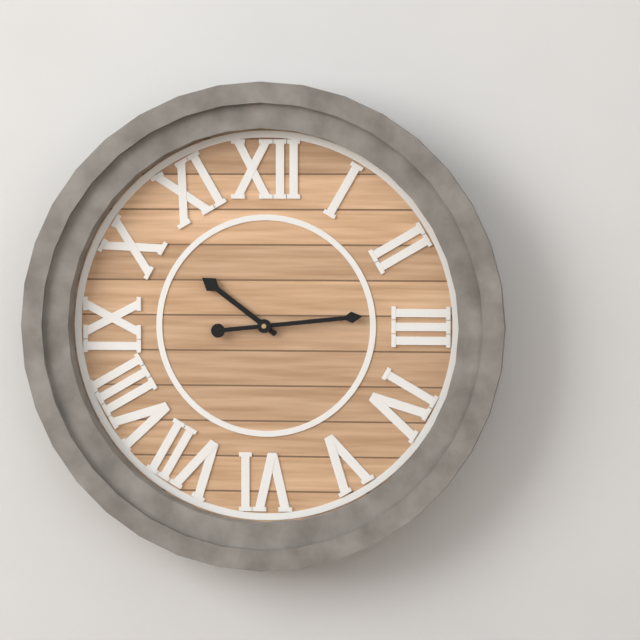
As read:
10:14
